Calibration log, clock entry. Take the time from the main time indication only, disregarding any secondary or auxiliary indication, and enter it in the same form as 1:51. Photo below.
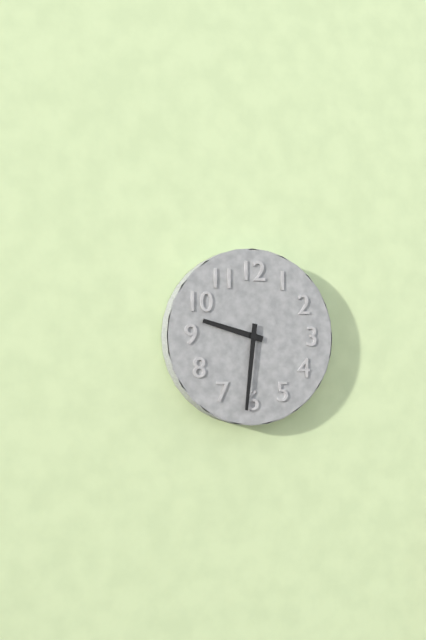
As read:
9:31
